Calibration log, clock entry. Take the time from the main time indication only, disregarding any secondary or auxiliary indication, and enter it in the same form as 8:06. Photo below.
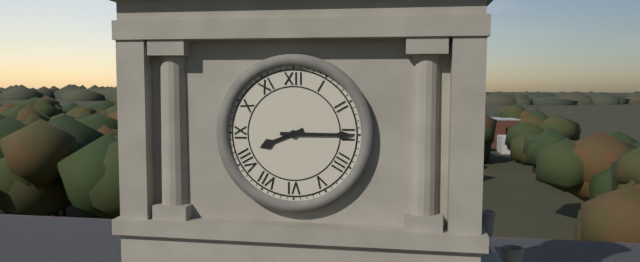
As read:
8:15
